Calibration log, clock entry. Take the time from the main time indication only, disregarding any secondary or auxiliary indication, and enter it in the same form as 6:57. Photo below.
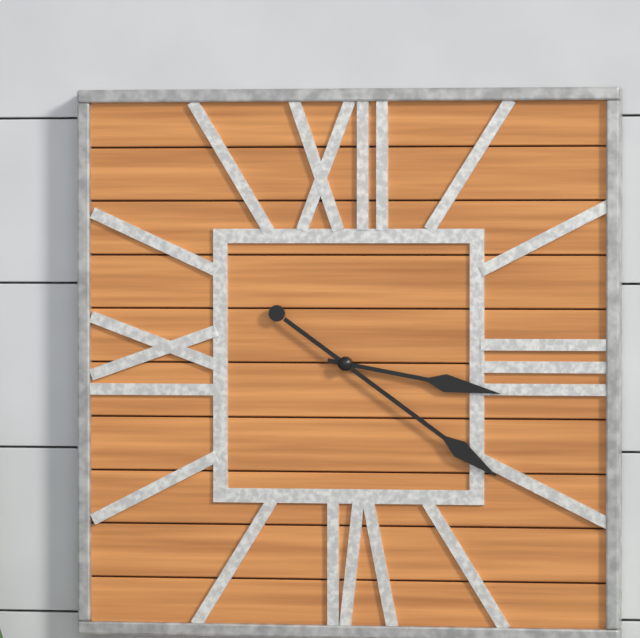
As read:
3:21
